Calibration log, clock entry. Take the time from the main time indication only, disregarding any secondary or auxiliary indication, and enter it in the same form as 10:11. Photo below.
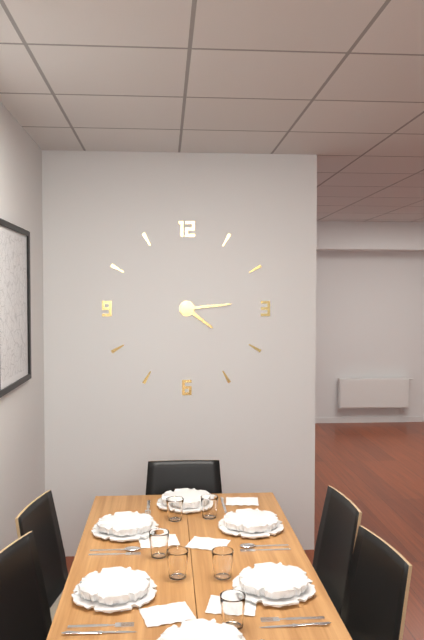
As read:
4:14
